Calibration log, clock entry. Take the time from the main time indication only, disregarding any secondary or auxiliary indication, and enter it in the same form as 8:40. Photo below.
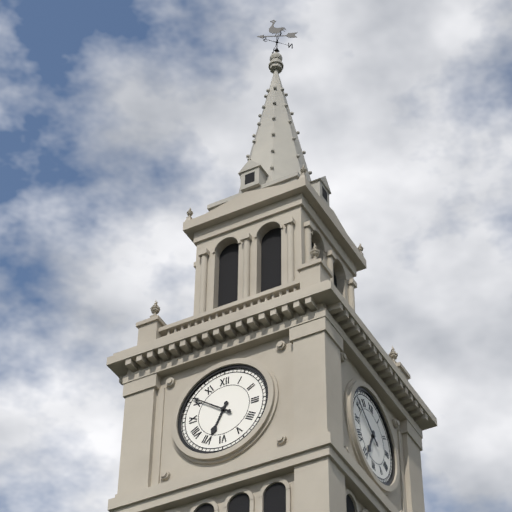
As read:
6:51
